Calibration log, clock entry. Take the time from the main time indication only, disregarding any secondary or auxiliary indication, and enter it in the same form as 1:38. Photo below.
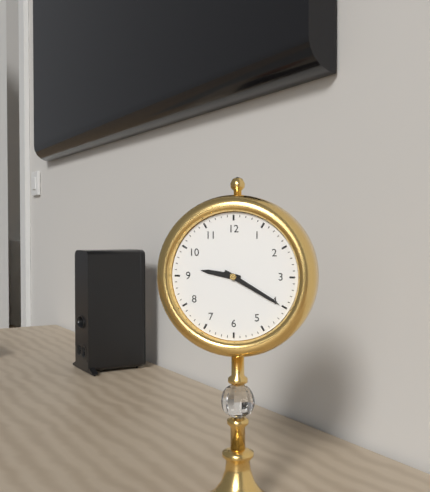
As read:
9:20
